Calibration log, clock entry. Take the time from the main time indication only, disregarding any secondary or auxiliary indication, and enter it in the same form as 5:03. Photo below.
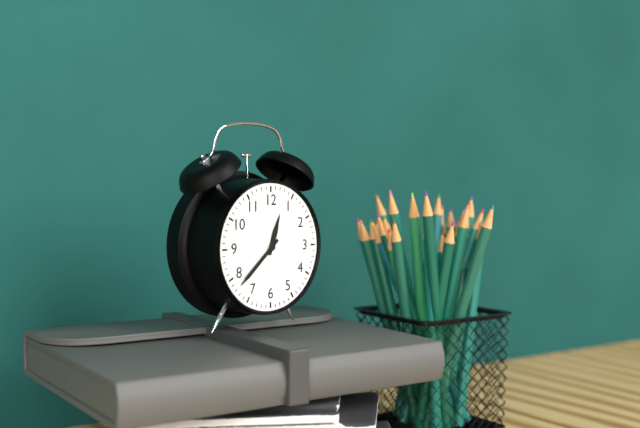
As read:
12:38
